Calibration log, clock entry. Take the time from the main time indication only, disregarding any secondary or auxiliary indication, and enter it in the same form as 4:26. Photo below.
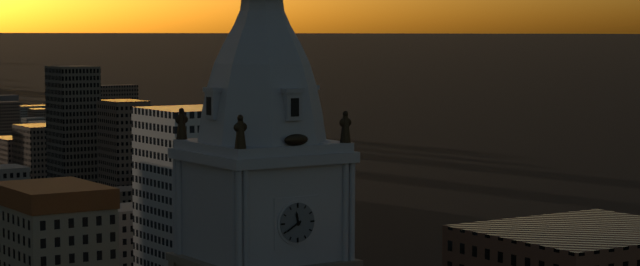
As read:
11:40
